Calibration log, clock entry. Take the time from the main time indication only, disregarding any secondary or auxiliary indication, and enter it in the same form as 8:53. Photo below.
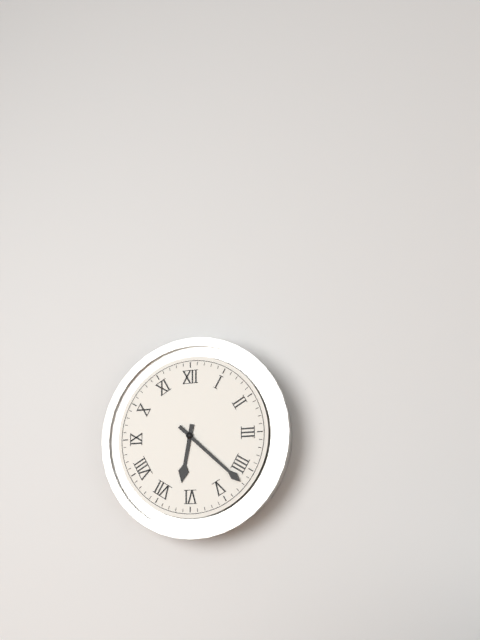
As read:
6:22
